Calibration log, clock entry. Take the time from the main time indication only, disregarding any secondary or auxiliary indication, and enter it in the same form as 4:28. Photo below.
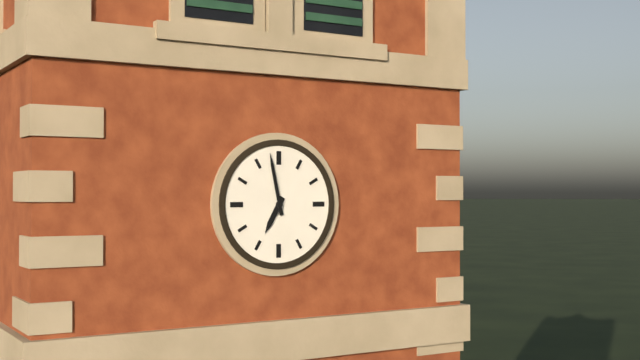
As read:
6:58
